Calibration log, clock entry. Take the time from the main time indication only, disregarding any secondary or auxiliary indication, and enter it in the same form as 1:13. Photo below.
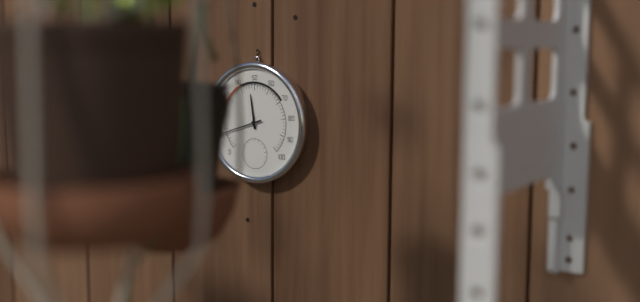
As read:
11:42
